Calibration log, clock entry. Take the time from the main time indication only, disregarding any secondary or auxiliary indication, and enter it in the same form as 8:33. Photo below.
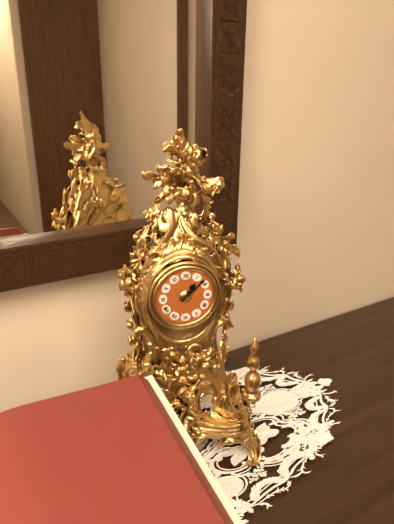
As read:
1:08
